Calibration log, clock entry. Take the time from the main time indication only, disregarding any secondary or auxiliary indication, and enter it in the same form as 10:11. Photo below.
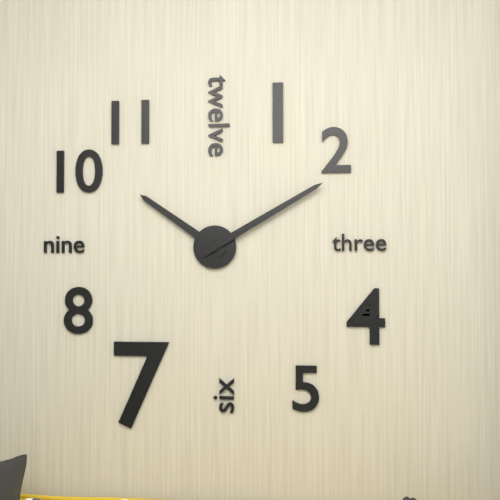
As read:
10:10
